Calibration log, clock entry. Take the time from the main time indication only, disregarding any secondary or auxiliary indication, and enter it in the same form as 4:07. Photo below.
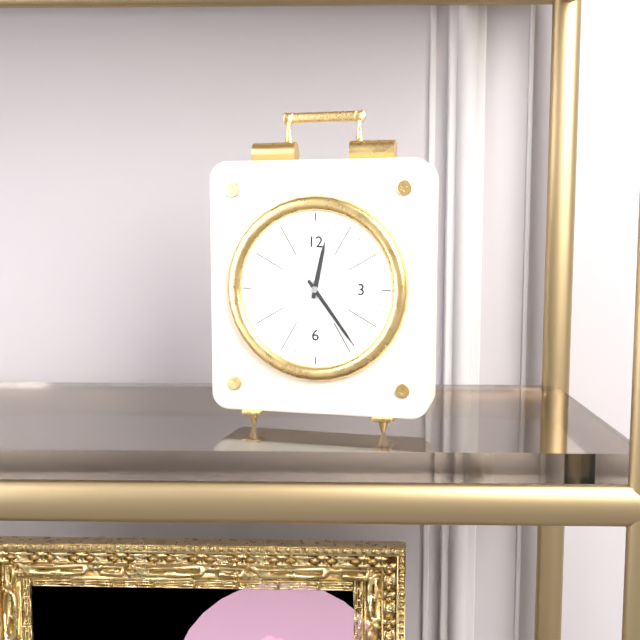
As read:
12:24
